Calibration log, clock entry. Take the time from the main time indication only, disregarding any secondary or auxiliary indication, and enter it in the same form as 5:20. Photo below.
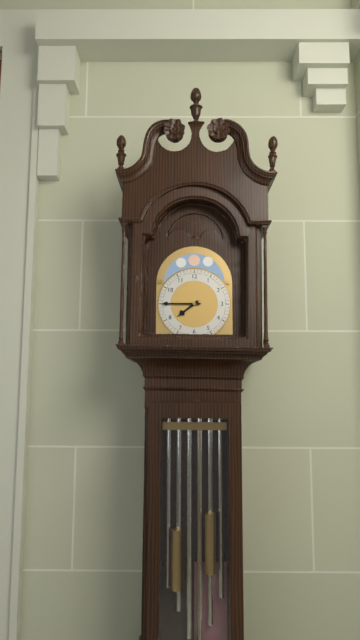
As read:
7:45
